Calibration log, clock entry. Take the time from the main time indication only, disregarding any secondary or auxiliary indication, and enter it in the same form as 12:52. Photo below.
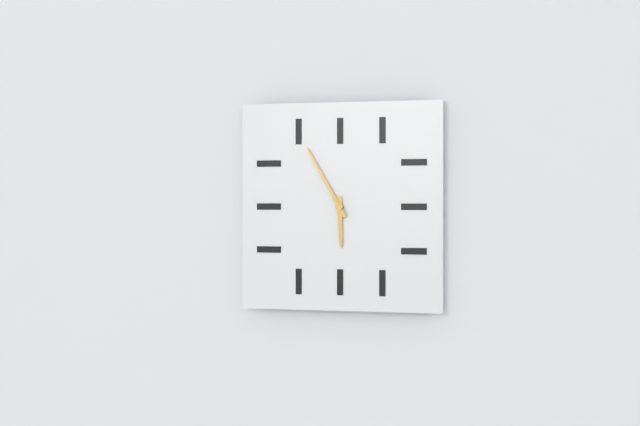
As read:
5:55
